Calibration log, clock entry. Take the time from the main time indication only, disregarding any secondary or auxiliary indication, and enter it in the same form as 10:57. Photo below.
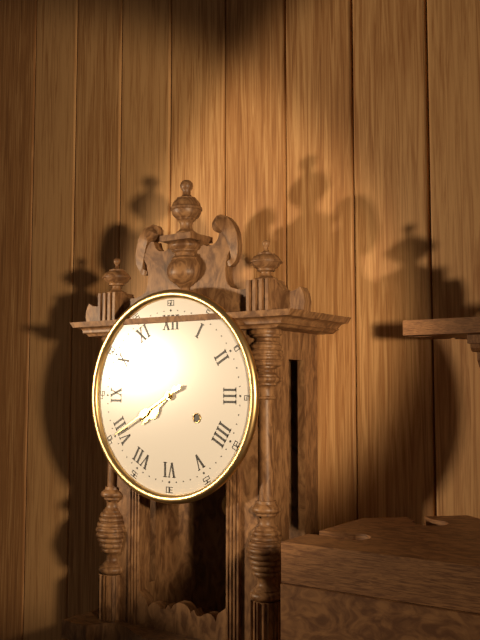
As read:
7:40
